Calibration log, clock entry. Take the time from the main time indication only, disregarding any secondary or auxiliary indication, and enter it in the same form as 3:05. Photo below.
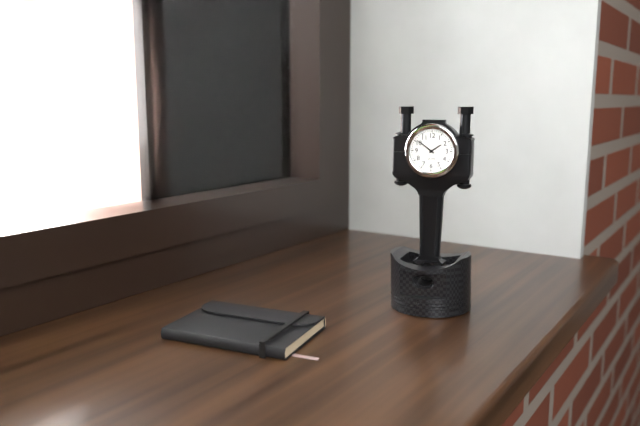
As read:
1:51
